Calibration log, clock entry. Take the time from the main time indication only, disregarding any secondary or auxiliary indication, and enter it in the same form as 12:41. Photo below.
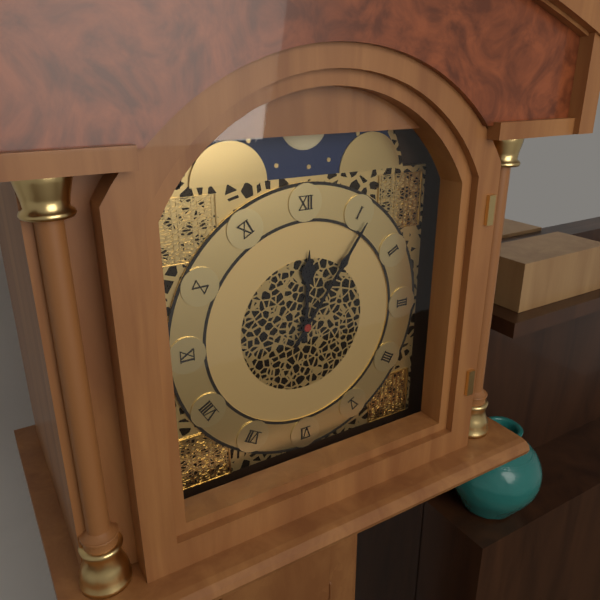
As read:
12:06
